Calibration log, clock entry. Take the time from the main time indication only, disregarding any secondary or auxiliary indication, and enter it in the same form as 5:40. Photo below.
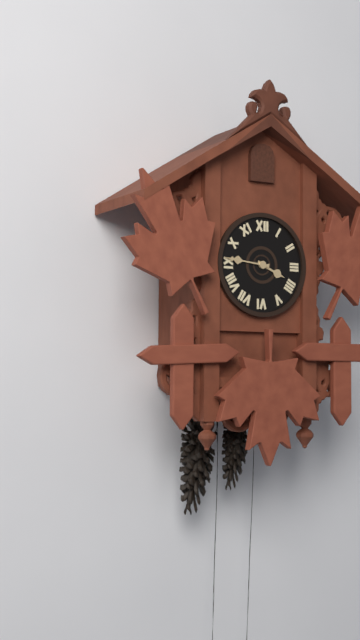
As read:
3:46
